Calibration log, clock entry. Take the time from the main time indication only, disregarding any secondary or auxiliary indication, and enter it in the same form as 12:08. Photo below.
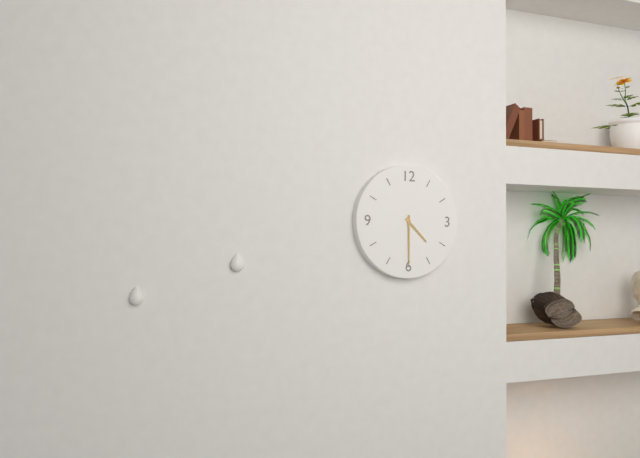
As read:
4:30
